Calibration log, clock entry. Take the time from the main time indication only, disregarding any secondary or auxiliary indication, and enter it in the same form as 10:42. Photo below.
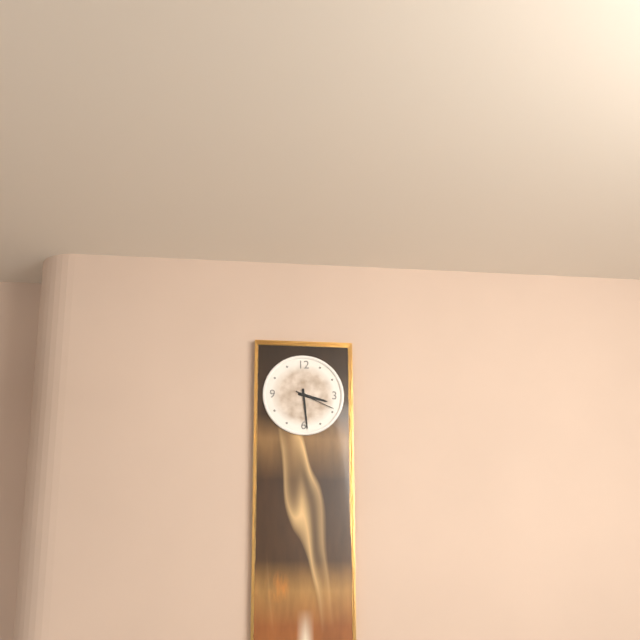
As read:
3:29
